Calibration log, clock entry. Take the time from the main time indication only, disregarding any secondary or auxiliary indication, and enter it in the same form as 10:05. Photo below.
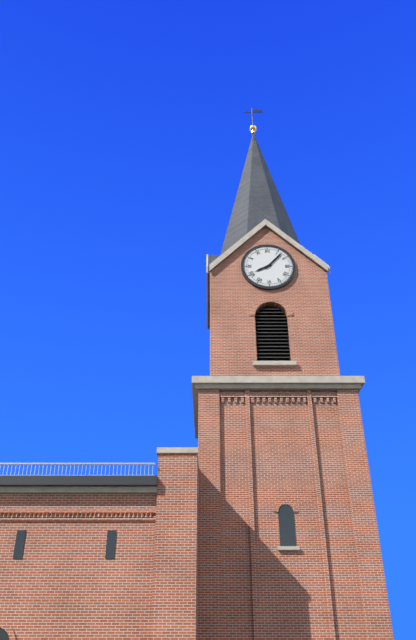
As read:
8:07
